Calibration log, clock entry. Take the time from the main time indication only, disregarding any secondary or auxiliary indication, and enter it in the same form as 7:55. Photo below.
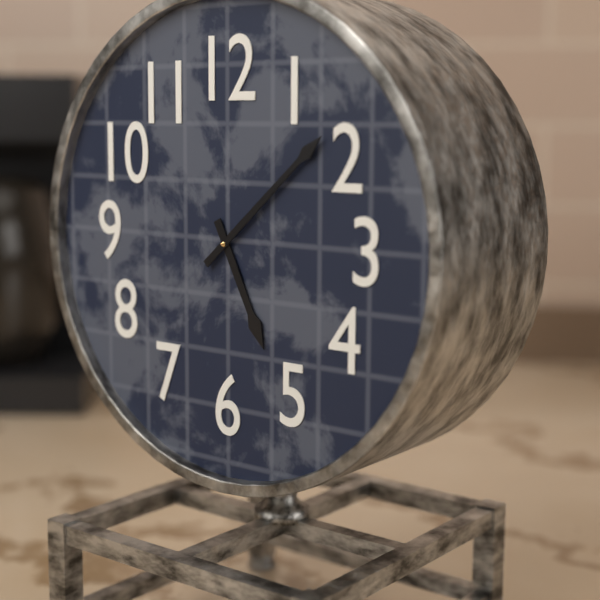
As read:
5:08
